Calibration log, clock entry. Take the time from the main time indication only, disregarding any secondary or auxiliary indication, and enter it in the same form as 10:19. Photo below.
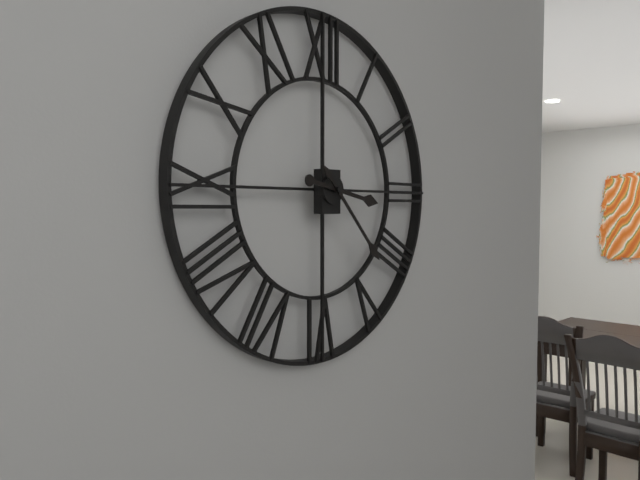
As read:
3:23
